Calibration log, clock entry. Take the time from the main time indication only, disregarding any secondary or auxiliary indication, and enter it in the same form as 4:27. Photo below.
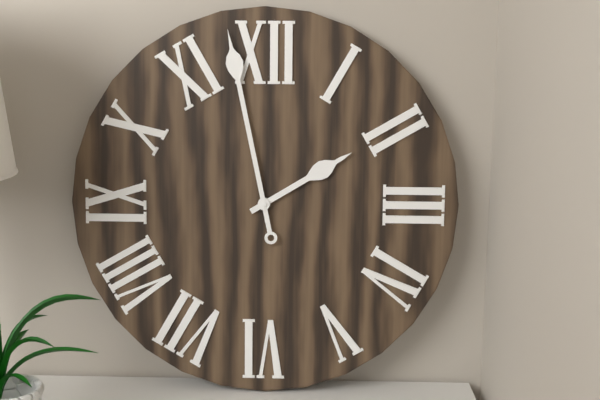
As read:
1:58
